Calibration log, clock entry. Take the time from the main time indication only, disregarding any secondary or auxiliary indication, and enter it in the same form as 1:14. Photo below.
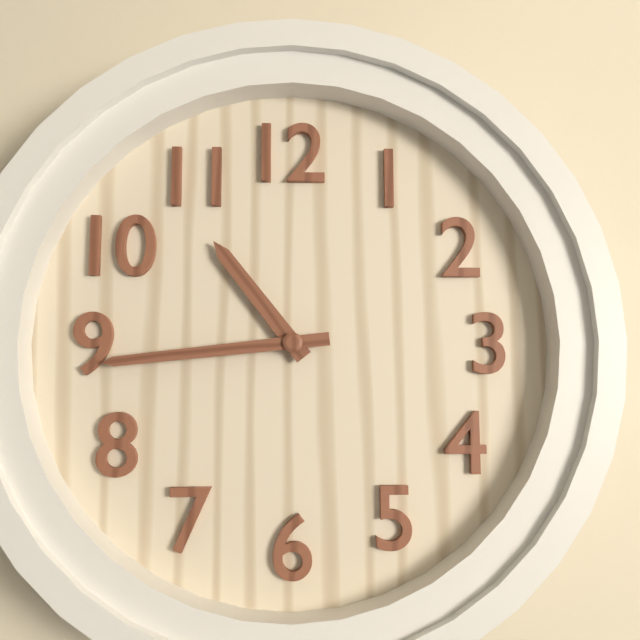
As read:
10:44
